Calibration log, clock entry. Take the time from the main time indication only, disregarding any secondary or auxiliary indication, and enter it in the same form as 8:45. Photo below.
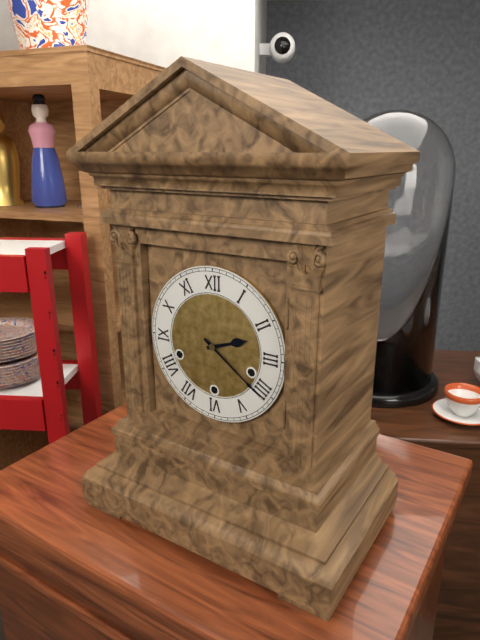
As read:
2:21
